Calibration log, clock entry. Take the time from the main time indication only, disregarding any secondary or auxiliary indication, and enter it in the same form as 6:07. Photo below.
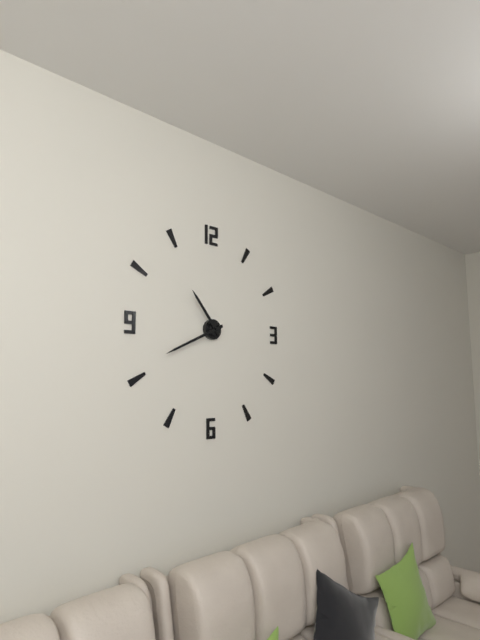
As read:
10:41
